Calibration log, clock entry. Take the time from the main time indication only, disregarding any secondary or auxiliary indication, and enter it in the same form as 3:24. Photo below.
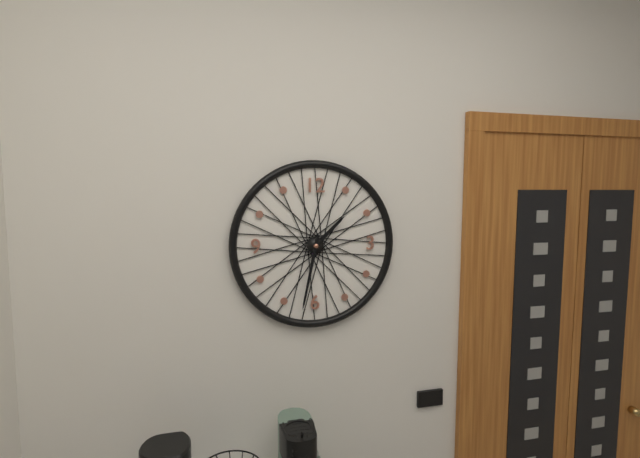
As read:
1:32
